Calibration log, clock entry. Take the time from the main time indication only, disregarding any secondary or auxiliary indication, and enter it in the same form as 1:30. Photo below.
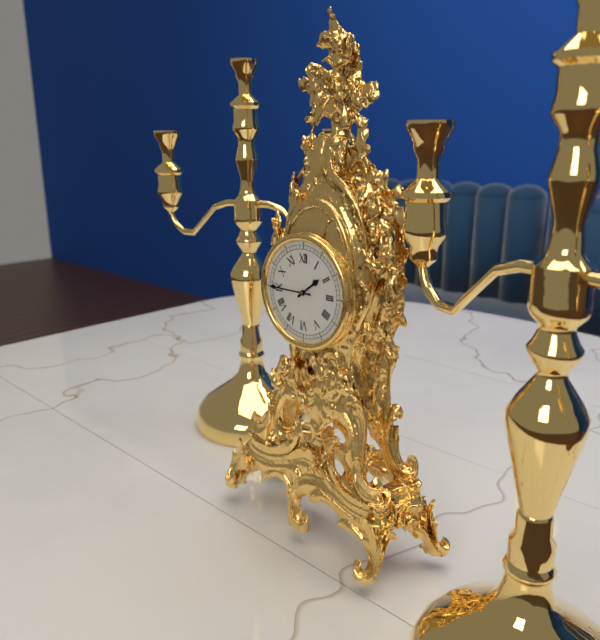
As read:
1:45
